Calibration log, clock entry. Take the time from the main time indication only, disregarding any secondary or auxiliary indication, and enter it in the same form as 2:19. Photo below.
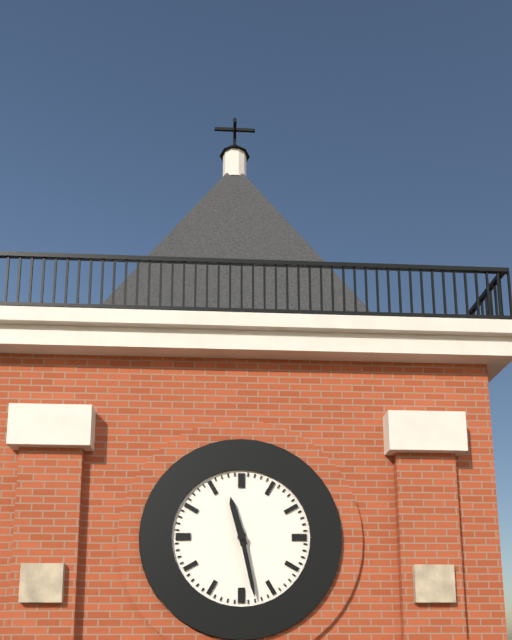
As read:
11:28
